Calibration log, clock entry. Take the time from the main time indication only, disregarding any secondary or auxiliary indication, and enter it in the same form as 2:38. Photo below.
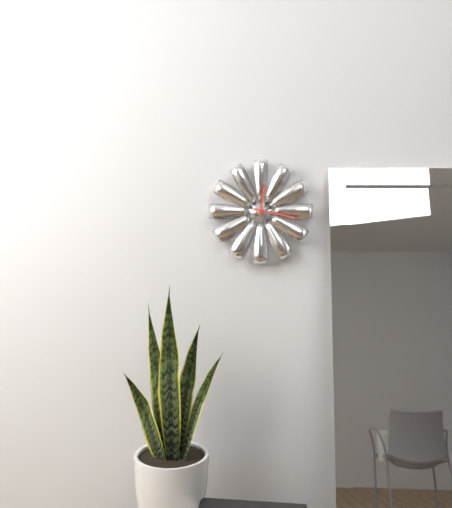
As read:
12:17
